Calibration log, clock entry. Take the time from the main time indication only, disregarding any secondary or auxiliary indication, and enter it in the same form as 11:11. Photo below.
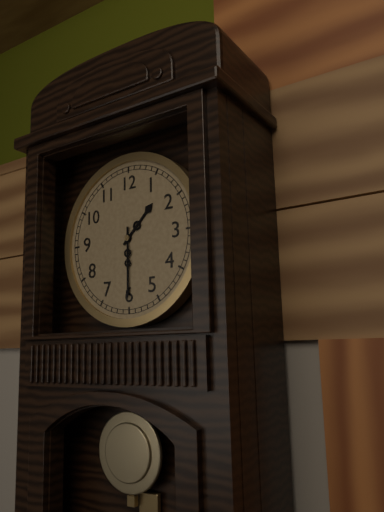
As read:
1:30
